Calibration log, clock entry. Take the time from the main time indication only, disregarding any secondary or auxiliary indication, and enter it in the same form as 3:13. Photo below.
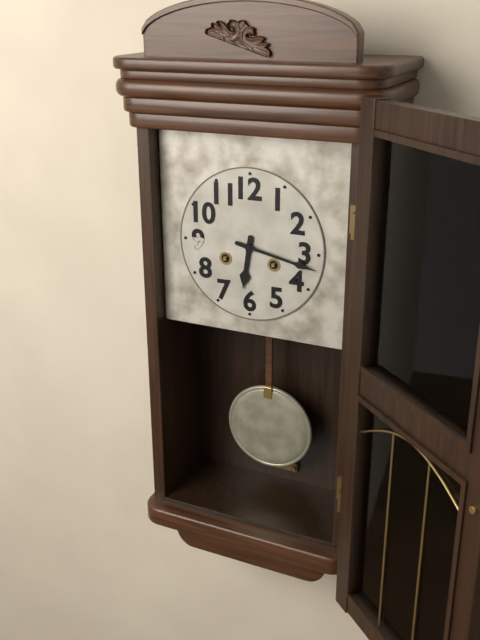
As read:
6:17
